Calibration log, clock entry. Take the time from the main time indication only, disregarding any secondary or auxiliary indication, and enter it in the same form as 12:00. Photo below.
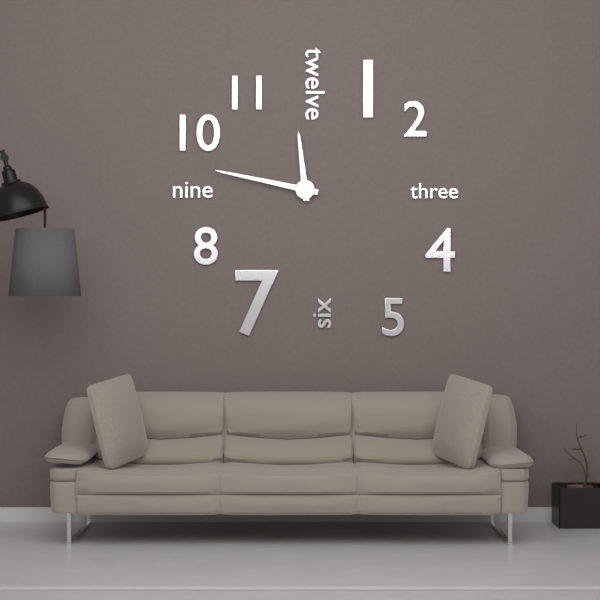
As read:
11:47
